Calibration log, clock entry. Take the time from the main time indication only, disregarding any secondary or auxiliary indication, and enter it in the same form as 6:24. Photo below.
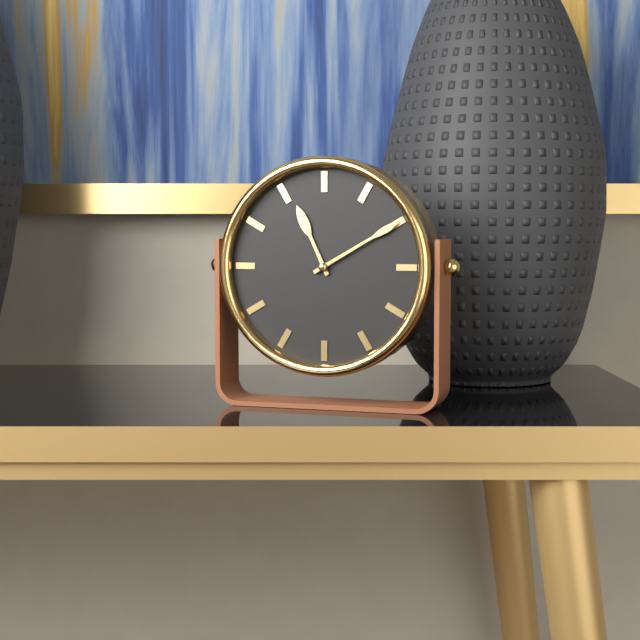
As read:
11:10
